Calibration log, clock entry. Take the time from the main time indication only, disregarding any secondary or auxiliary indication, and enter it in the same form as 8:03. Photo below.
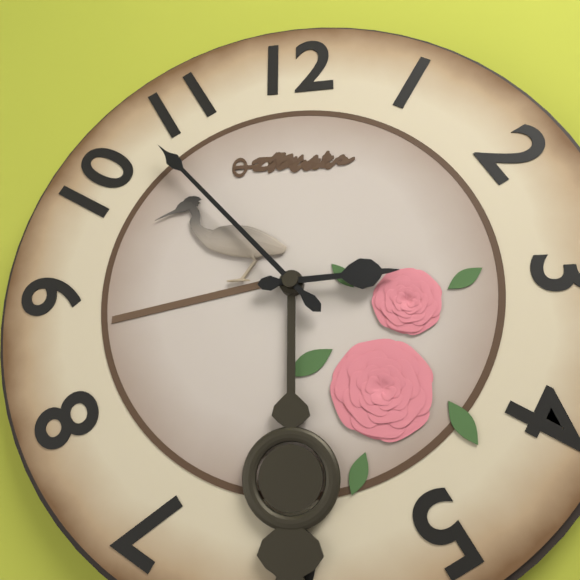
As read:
2:53
